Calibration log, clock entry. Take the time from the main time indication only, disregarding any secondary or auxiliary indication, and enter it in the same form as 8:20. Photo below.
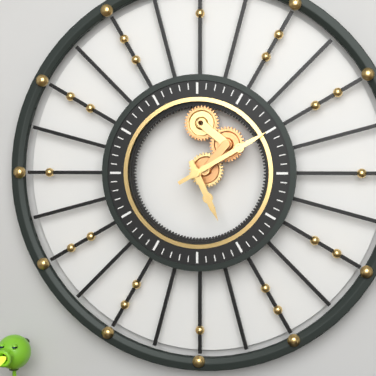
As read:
5:10
